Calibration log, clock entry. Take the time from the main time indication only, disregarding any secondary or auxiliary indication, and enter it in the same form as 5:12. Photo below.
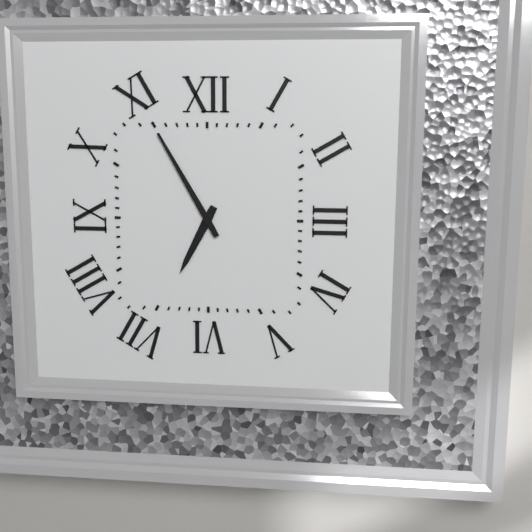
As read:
6:55
